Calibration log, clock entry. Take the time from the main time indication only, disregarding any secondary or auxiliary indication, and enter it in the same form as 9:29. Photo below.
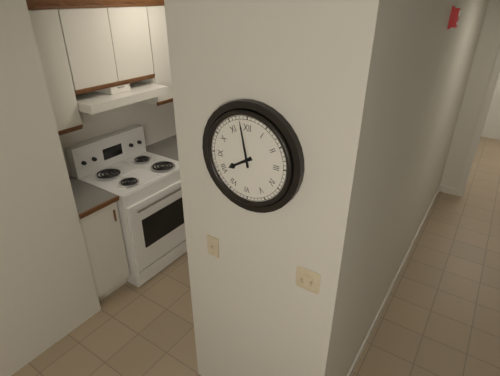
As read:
7:58
